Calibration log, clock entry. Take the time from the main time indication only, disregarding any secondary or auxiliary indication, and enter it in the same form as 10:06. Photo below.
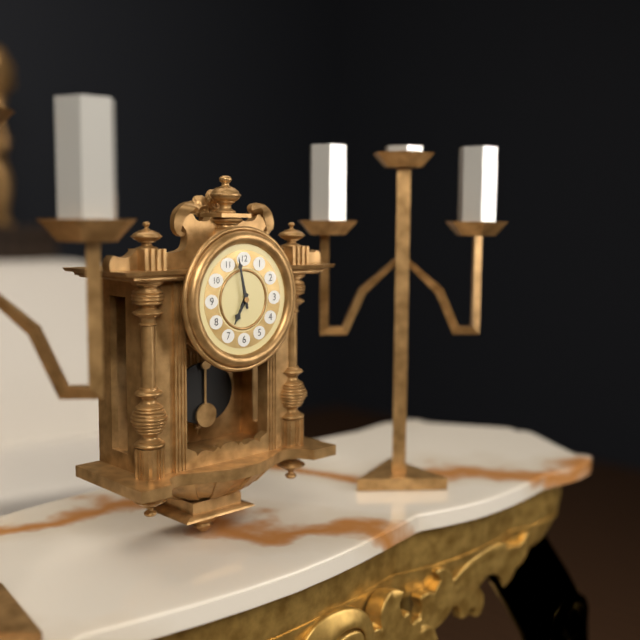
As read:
6:58
